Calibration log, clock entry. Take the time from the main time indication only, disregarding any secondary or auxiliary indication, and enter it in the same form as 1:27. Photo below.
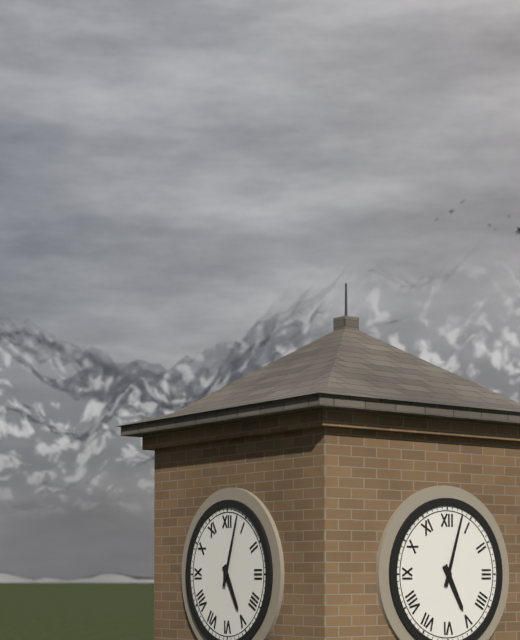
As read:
5:03
